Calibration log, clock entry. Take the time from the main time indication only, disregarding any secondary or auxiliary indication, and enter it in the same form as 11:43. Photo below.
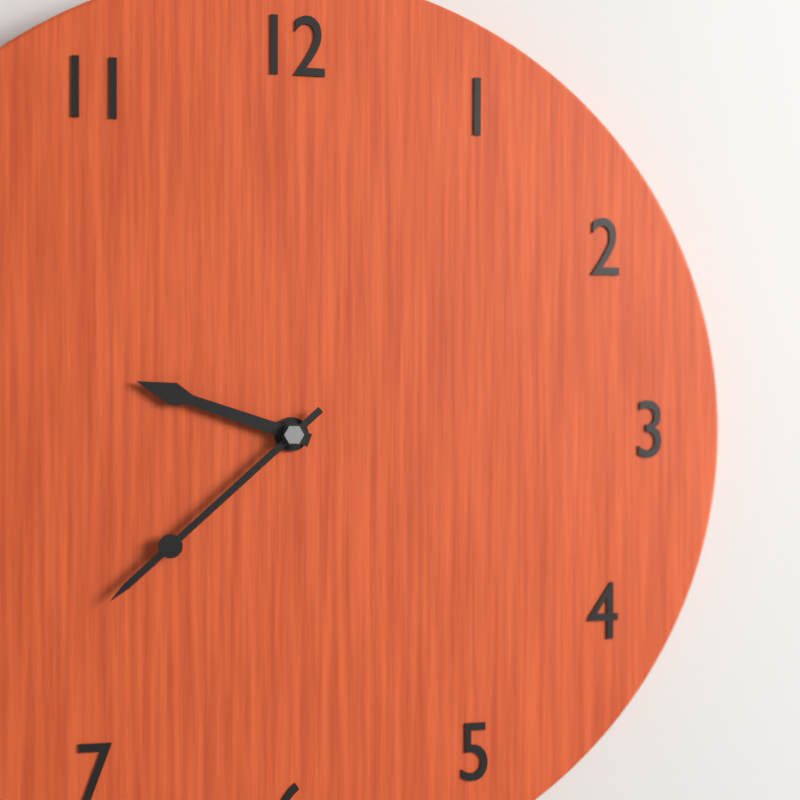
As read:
9:38
